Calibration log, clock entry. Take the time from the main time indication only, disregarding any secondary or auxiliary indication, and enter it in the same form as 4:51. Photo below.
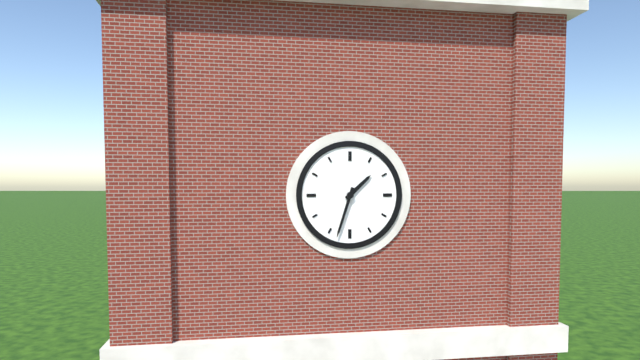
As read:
1:33
